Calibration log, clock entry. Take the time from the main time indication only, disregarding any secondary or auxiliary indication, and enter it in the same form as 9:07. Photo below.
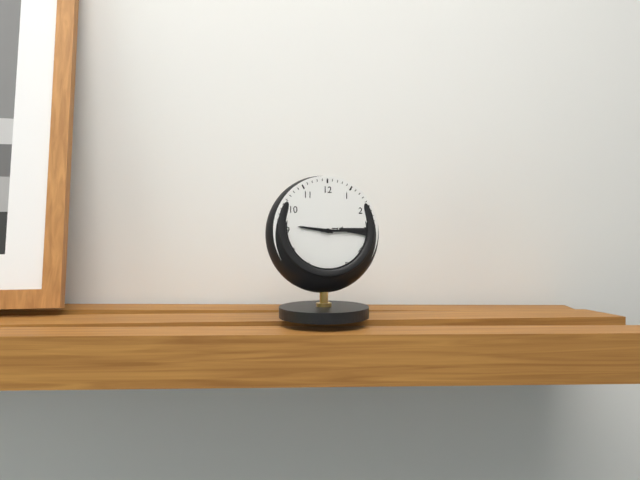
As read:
9:15
